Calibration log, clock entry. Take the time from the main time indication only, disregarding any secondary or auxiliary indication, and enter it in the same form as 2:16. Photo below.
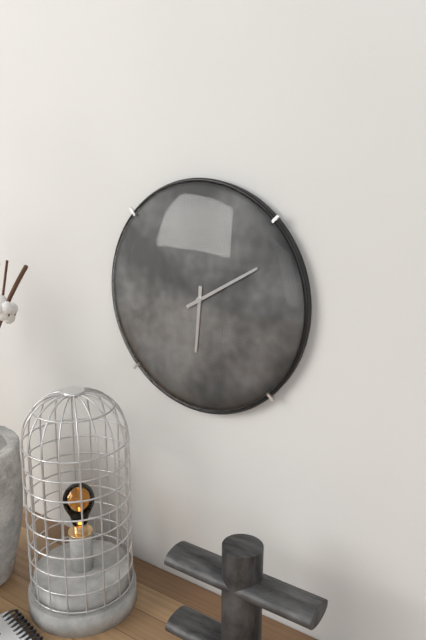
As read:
6:10
